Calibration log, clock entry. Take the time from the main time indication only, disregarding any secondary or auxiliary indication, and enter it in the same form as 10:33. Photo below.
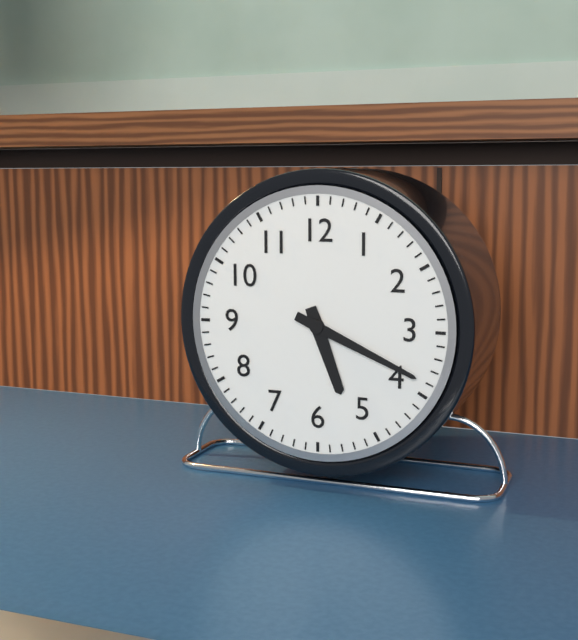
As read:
5:19
